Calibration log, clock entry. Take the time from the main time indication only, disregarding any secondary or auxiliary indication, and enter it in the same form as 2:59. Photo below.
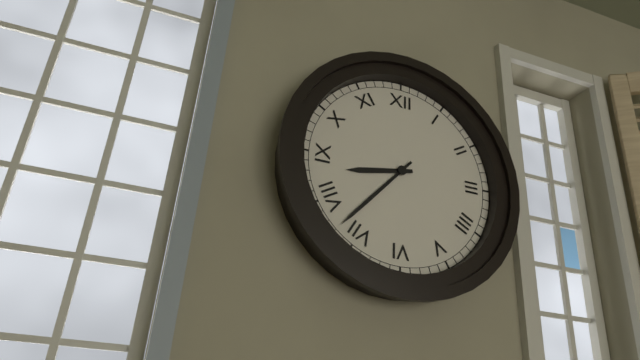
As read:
8:37
